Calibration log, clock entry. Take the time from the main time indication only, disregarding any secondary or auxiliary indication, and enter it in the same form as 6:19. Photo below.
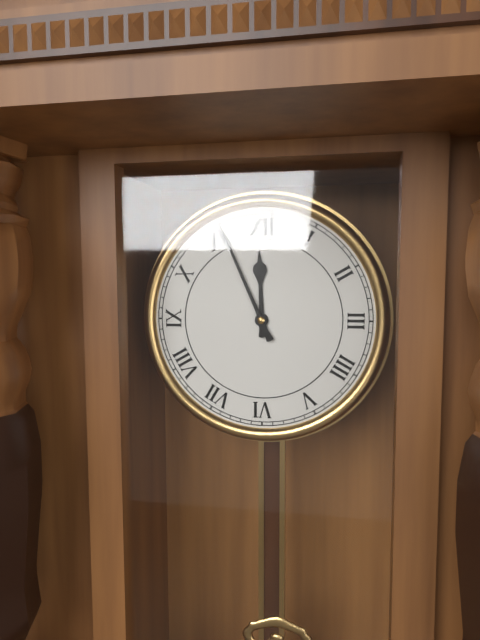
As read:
11:56
